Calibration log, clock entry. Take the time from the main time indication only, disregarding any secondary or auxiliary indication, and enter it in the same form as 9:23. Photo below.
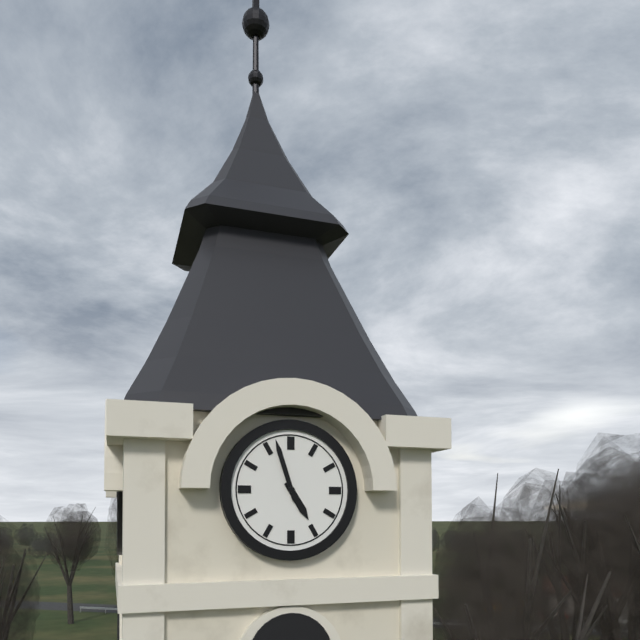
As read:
4:57
